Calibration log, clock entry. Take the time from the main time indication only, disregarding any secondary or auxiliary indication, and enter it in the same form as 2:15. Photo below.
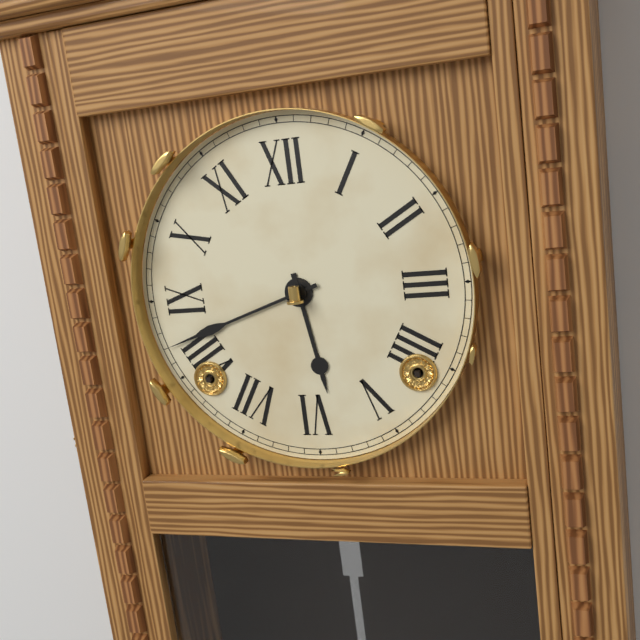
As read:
5:42
